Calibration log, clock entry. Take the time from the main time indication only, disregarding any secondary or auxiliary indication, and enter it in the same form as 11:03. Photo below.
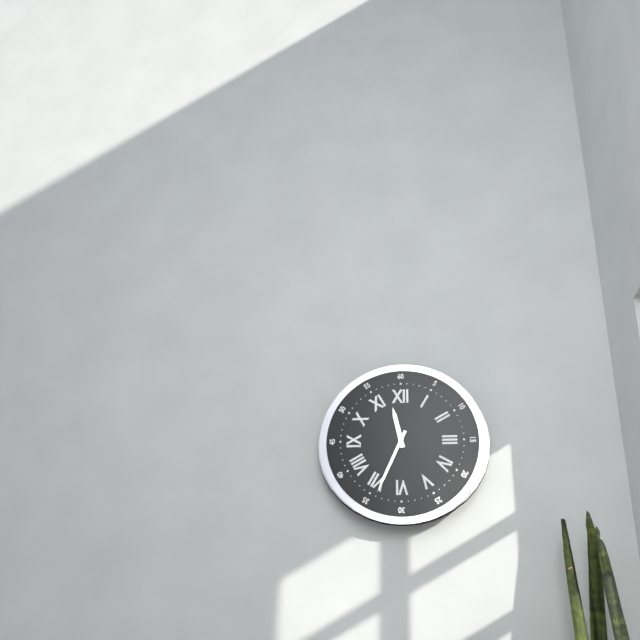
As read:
11:34
